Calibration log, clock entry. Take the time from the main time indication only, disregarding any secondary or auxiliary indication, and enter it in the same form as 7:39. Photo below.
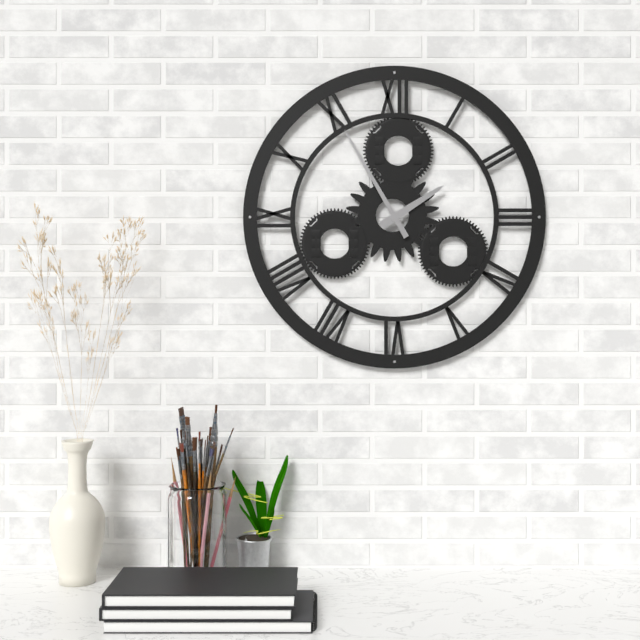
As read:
1:55
